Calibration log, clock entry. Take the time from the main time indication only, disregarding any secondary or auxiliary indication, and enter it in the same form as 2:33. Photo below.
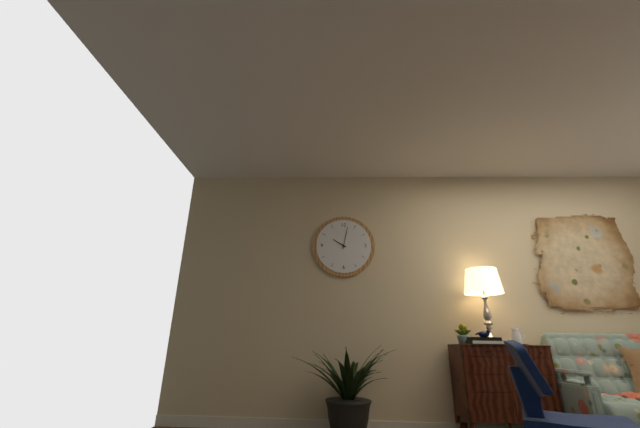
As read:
10:02
